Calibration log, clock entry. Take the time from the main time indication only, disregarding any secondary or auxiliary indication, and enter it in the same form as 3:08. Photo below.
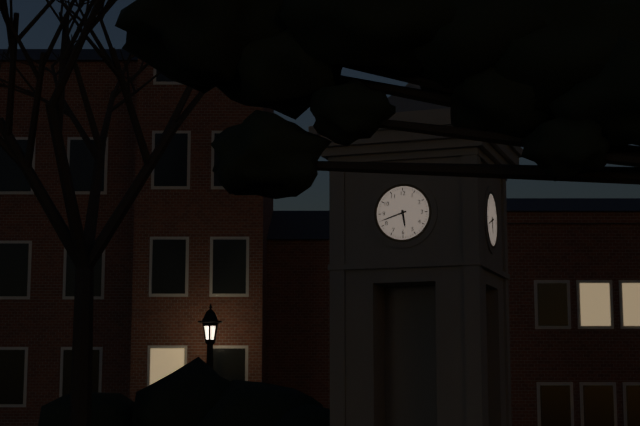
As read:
5:42
